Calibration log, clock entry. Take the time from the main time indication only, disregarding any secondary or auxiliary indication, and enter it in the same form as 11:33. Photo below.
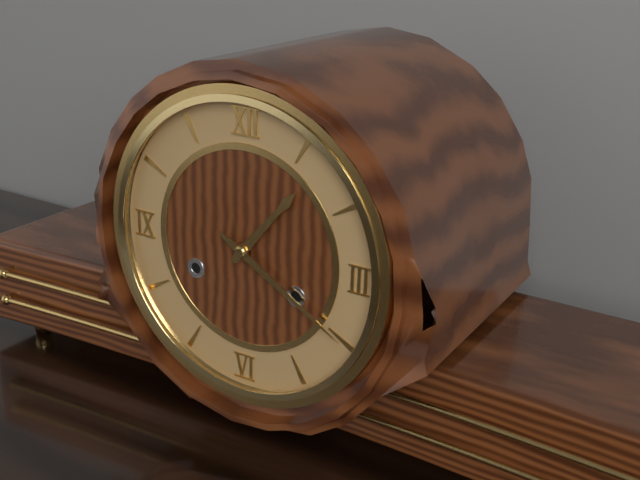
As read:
1:20
